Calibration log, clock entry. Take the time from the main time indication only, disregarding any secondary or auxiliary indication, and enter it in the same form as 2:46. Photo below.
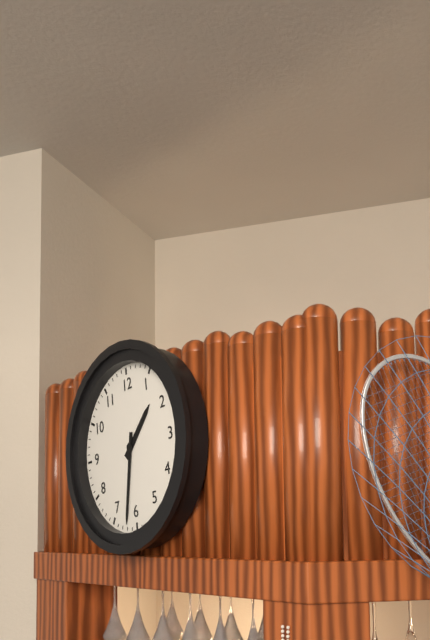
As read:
1:32
